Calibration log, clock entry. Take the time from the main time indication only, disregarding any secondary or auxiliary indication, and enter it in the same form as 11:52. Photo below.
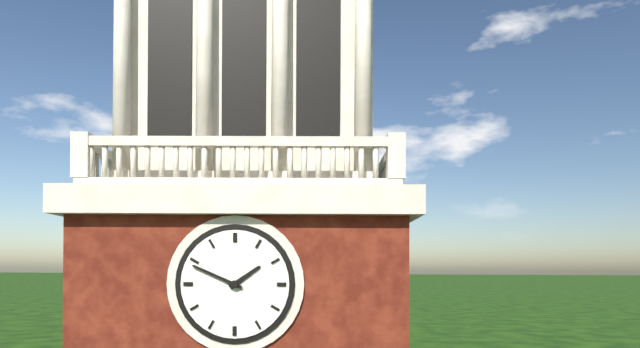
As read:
1:49
